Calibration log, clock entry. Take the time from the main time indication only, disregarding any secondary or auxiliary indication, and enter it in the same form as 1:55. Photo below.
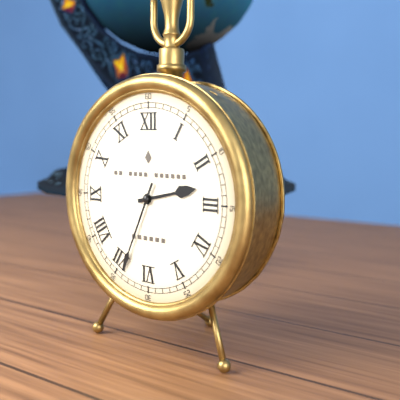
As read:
2:34
